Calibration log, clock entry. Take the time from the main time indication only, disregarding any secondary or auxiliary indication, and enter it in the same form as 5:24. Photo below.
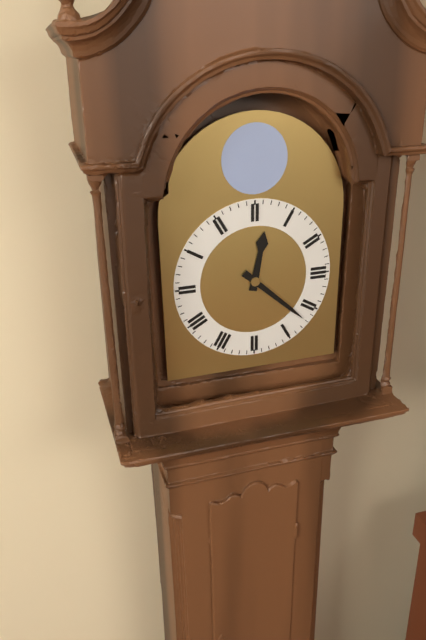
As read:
12:22
